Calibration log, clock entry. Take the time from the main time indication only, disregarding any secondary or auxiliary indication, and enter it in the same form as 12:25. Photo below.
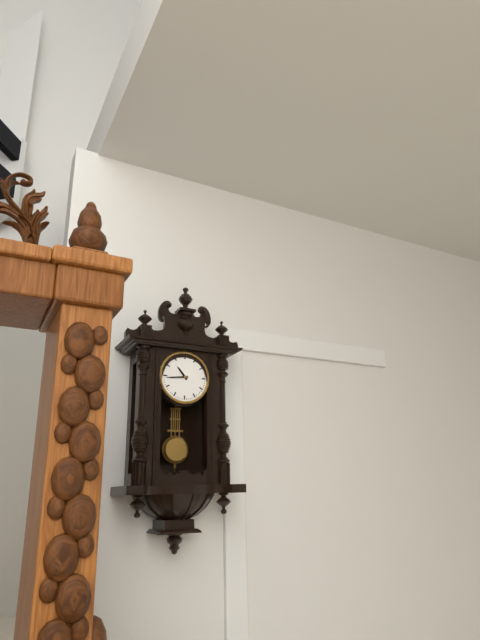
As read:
10:44
